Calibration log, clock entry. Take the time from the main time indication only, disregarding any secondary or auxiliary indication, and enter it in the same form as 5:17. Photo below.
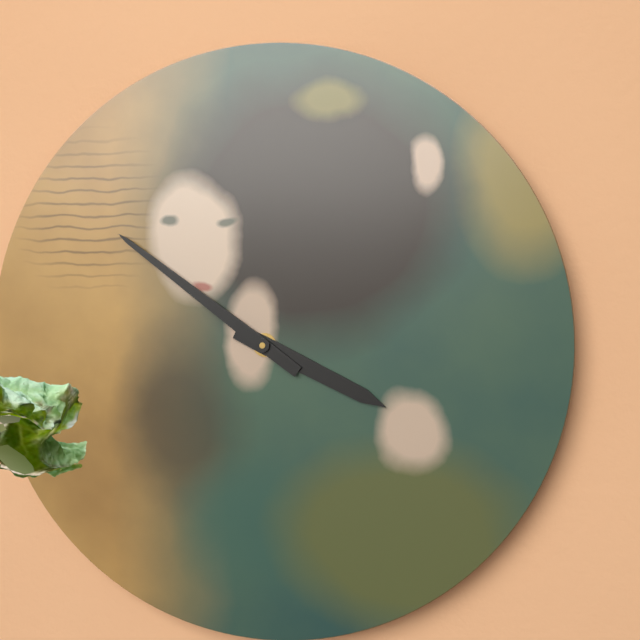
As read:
3:51
